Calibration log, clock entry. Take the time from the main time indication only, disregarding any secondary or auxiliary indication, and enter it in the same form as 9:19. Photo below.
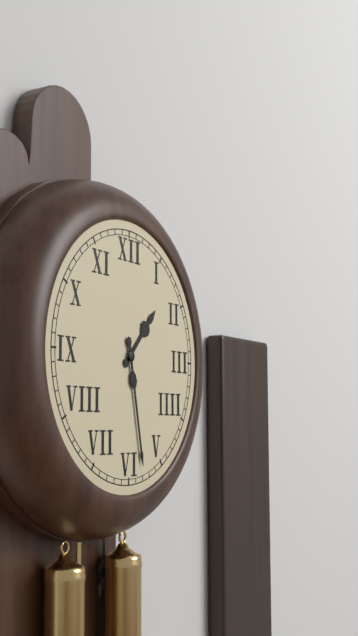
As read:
1:28
